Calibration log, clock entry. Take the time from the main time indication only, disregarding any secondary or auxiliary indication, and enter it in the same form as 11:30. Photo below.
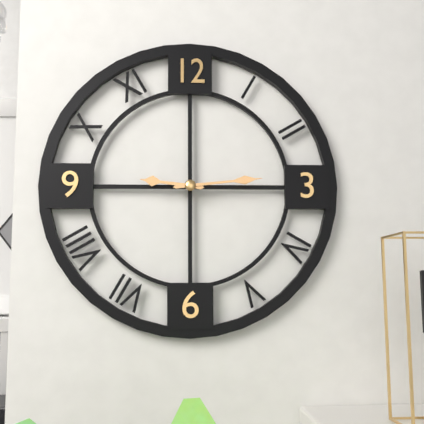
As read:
9:14
